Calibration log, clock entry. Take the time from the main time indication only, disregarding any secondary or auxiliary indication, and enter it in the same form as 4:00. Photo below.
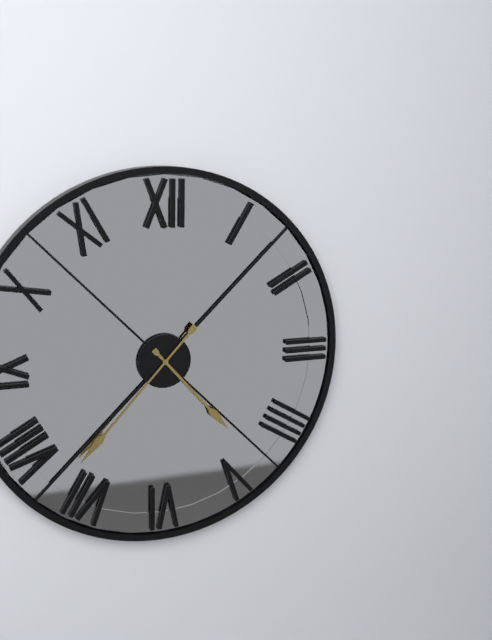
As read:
4:37
